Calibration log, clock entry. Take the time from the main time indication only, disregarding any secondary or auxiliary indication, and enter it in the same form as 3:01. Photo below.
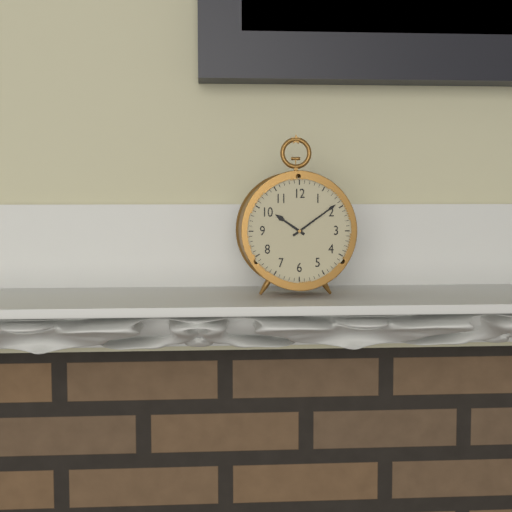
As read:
10:09
